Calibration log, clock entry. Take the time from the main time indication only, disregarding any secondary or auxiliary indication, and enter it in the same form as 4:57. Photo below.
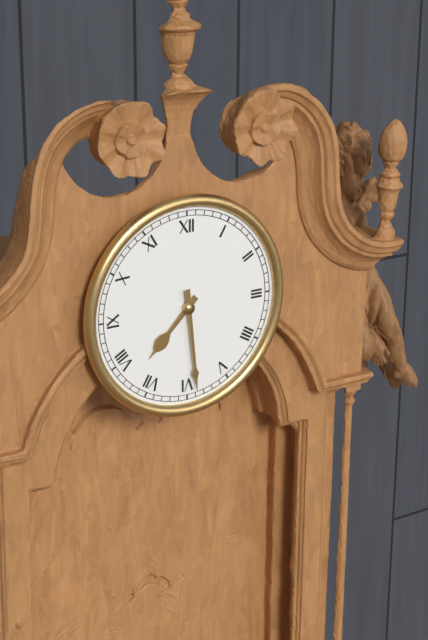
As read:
7:29
